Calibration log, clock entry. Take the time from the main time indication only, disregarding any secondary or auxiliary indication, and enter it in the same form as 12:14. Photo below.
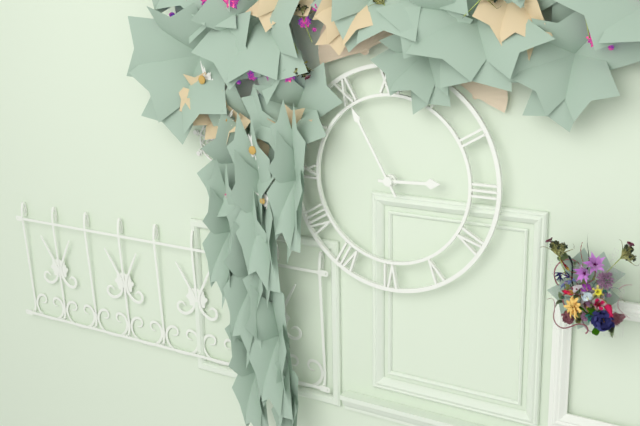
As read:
2:55
